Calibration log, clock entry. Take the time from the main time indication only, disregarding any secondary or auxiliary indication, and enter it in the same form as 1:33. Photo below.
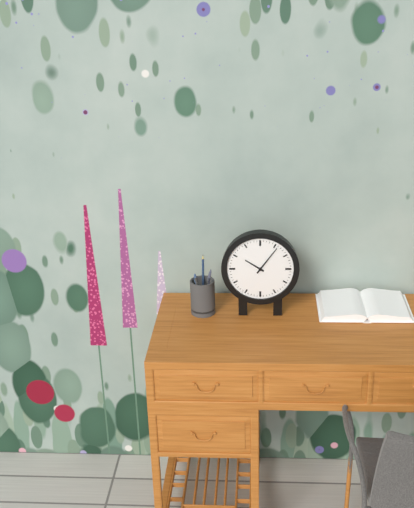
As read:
10:06
